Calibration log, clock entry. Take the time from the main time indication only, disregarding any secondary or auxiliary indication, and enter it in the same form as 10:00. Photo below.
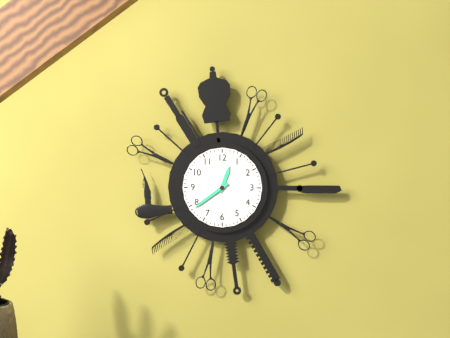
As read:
12:39
